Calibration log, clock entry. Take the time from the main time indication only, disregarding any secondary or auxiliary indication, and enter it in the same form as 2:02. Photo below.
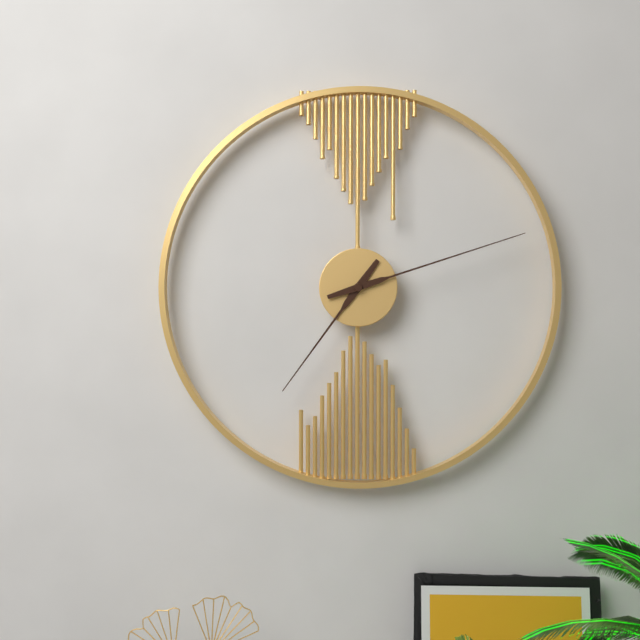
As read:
7:12
